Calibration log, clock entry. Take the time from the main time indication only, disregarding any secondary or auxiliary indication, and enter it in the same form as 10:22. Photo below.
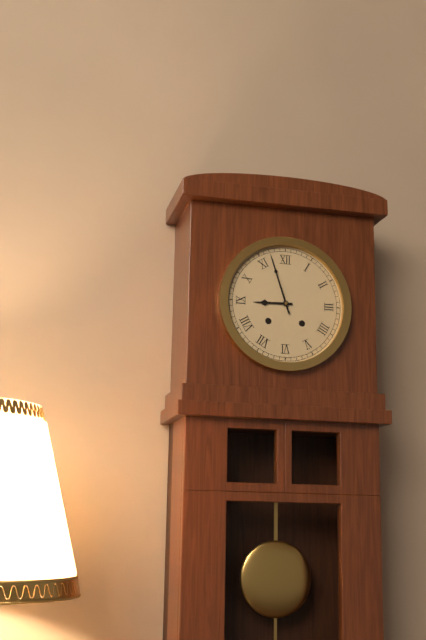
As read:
8:57
